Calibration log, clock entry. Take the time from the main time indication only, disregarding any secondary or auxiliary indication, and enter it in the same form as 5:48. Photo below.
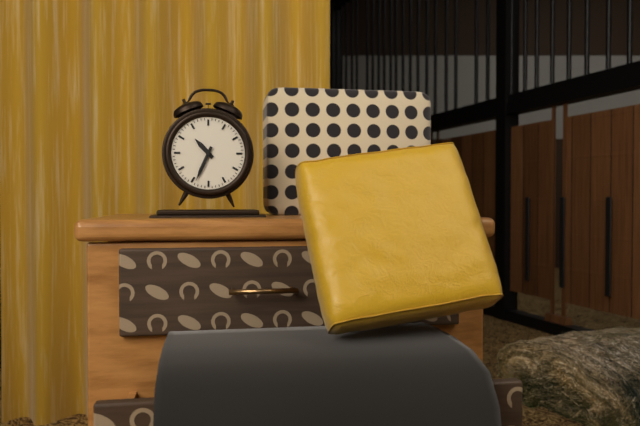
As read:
10:34
